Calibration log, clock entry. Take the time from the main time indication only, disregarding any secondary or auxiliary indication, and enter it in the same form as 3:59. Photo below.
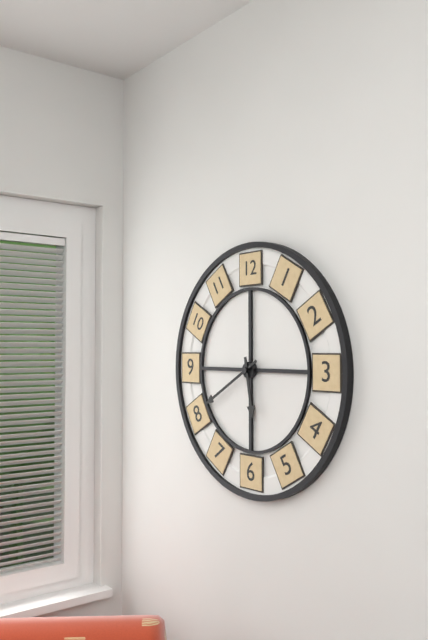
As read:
5:40
